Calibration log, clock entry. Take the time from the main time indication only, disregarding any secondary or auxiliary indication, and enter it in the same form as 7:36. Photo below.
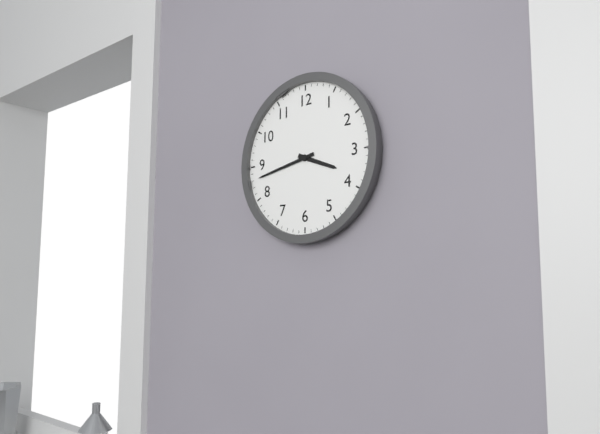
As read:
3:43
